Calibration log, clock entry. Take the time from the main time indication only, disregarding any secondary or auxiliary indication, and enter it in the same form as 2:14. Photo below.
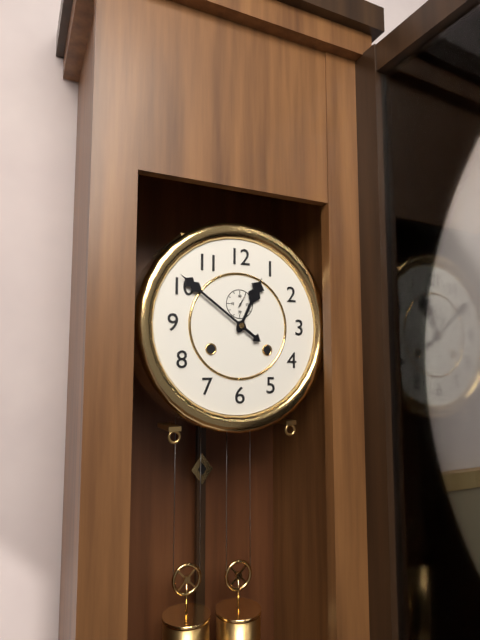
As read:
12:51
